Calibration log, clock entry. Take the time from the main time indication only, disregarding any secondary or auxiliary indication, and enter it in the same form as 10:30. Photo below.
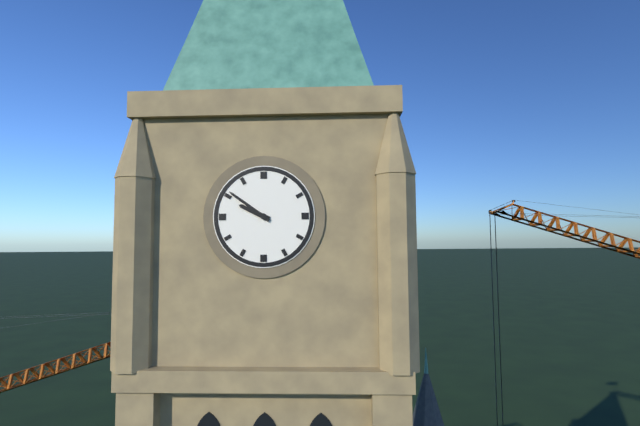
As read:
9:51
